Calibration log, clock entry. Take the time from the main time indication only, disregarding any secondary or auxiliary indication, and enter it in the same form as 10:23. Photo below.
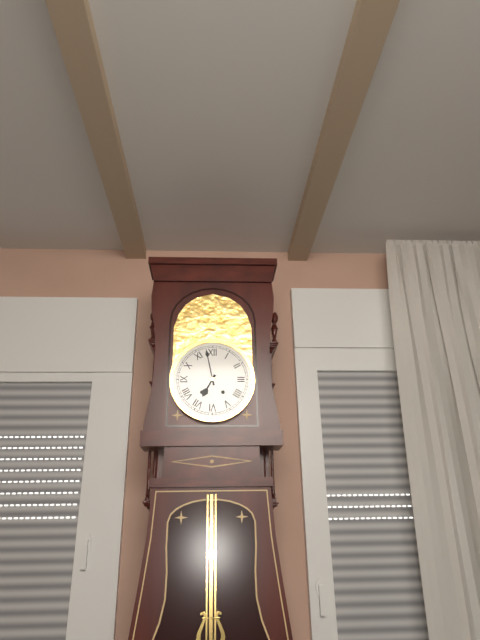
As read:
6:58
